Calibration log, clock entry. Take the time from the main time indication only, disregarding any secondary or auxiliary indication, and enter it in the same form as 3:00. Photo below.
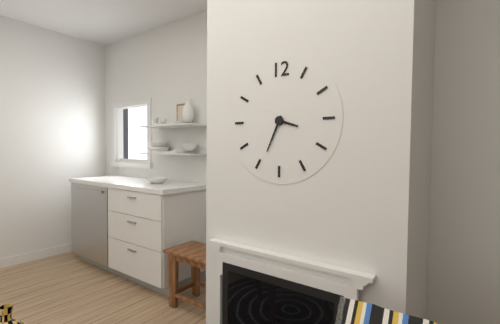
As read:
3:34
